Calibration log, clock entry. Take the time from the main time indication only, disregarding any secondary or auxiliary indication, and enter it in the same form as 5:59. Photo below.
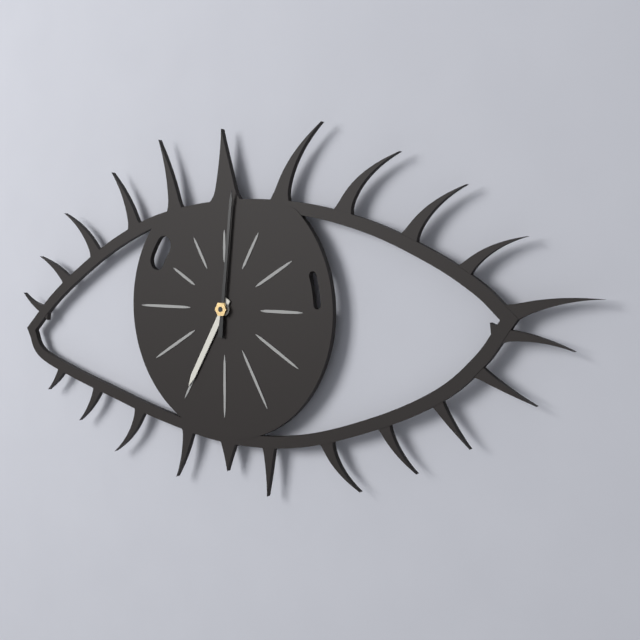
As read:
7:01
